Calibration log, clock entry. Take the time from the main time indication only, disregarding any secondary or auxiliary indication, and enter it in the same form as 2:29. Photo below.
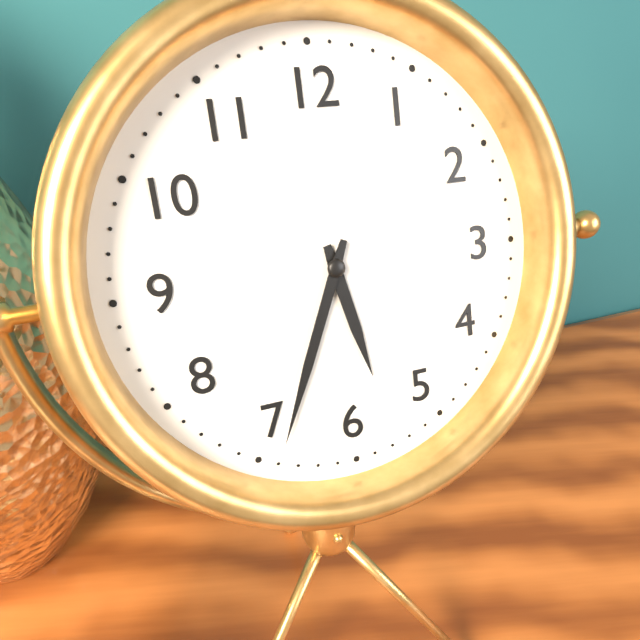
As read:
5:34
